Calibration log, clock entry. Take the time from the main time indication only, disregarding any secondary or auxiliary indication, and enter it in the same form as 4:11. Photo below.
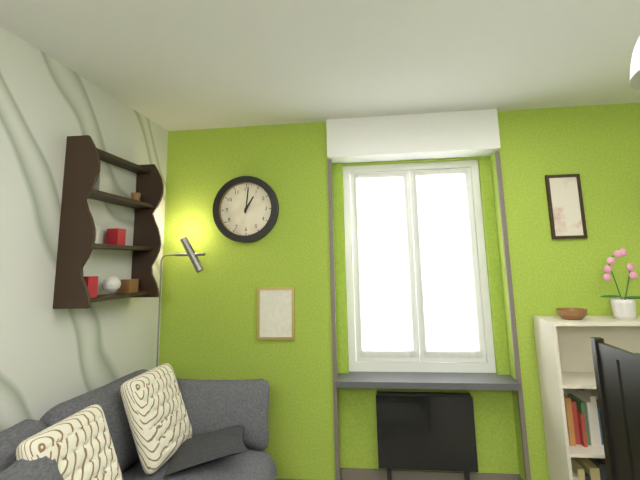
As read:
1:01
